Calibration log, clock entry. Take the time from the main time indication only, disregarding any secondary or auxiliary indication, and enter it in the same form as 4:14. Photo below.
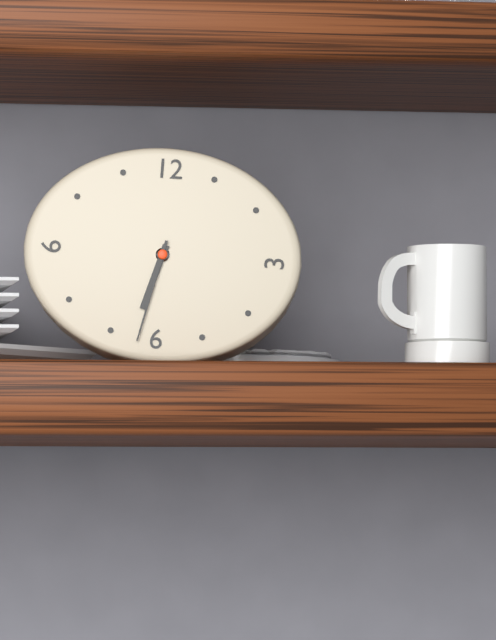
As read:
6:32
